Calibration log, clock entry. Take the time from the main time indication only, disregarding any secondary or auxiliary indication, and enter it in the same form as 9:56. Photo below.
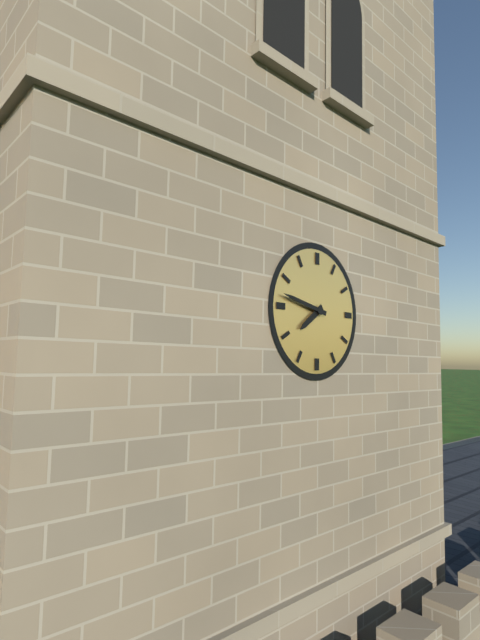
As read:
7:47
